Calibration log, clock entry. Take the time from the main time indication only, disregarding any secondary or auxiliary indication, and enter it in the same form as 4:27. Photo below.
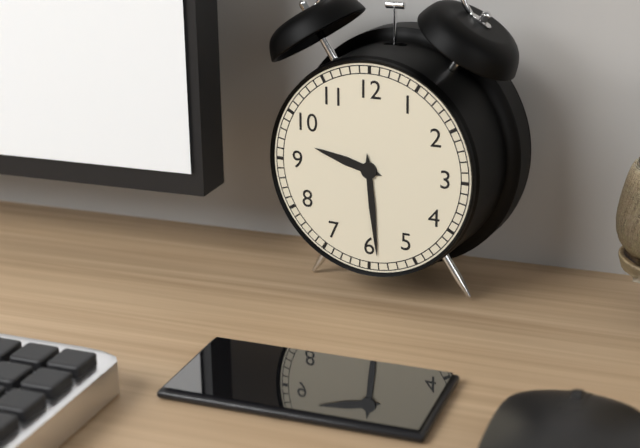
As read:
9:29
